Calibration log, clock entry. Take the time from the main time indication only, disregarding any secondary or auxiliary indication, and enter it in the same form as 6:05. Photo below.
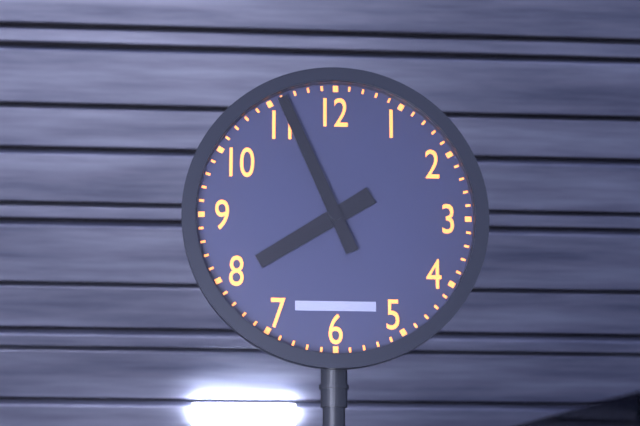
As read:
7:56
